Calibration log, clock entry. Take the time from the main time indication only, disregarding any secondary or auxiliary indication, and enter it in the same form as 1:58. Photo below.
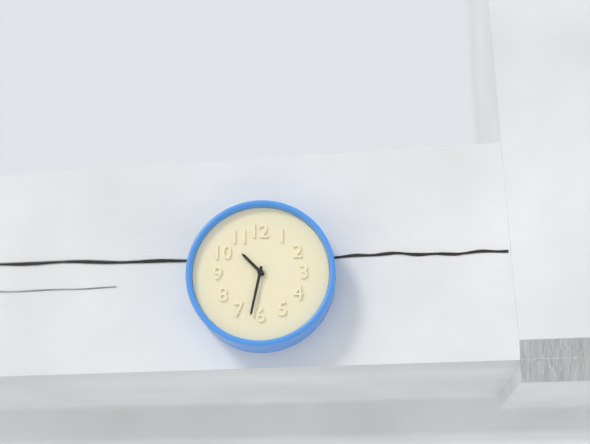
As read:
10:32
